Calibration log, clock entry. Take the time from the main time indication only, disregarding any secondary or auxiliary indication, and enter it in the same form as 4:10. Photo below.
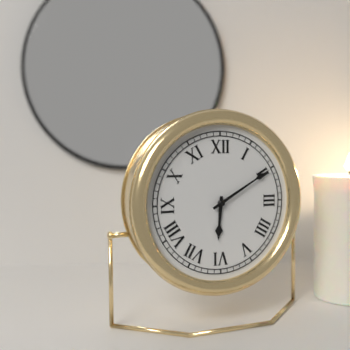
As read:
6:10
